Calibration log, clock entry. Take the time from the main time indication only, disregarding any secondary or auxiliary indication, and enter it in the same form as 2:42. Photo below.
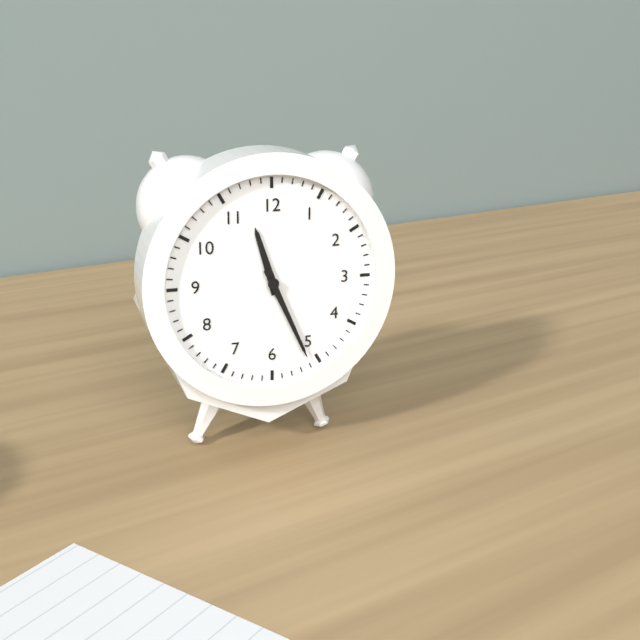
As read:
11:26
